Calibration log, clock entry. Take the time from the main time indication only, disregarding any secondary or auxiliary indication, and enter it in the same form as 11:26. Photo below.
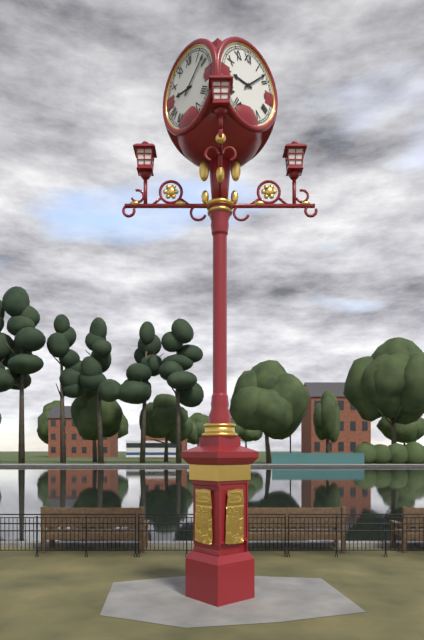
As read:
9:08
